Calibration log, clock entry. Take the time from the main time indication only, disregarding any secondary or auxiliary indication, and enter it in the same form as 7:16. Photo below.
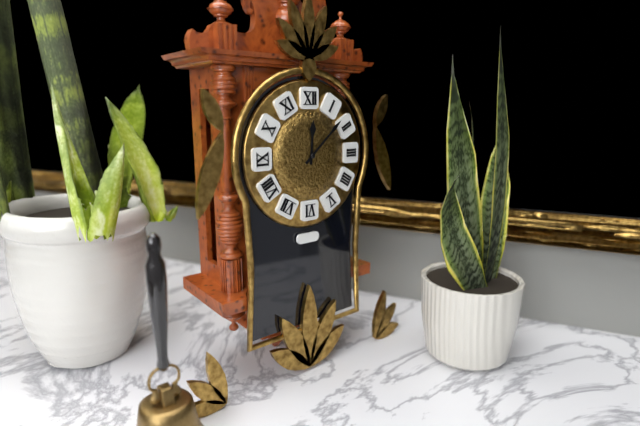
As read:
12:08
